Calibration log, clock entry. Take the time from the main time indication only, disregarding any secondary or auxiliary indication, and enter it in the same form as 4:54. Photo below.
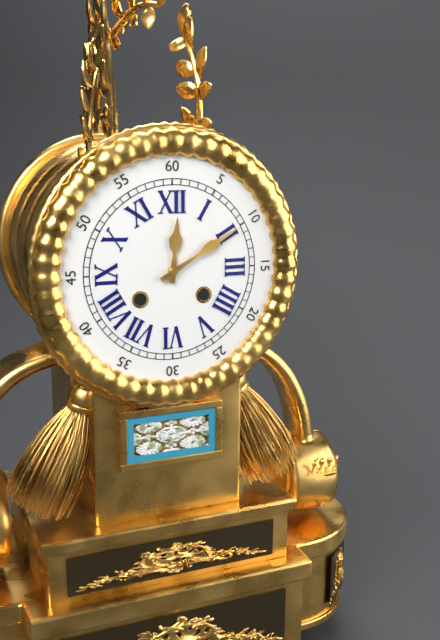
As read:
12:10
